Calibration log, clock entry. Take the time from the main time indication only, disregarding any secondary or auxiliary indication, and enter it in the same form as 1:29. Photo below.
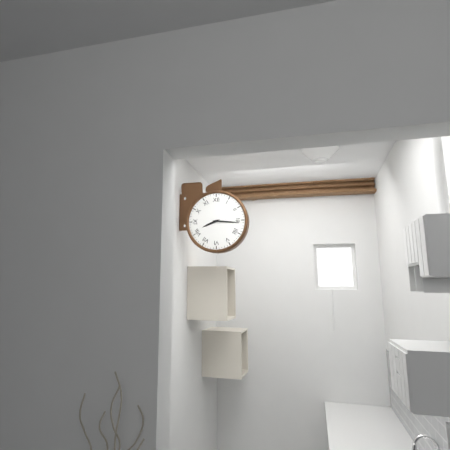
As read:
8:16
